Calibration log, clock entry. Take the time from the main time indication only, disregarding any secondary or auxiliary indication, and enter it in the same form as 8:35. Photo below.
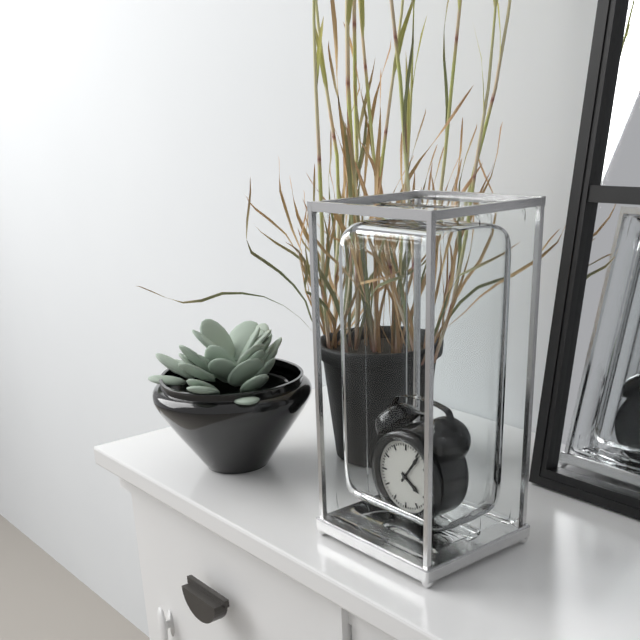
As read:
4:06
